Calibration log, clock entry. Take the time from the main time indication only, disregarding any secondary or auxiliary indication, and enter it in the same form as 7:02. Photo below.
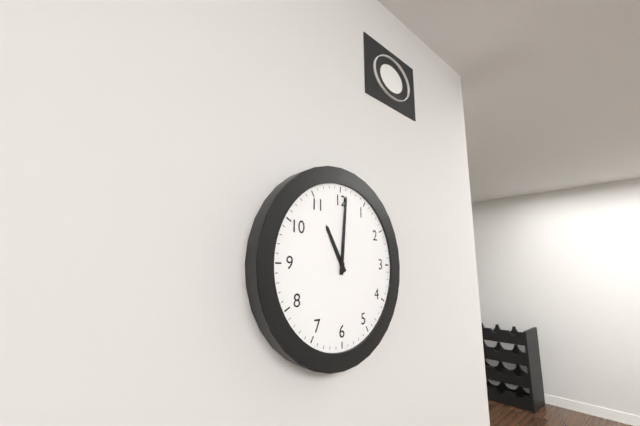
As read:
11:01
